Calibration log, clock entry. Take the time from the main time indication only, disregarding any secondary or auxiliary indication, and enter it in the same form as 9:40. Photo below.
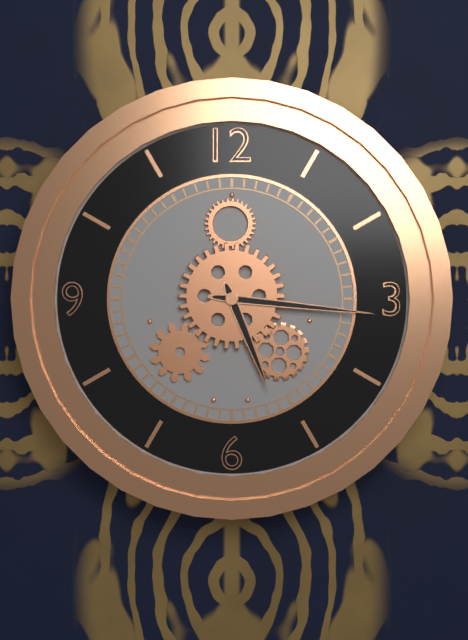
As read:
5:16
